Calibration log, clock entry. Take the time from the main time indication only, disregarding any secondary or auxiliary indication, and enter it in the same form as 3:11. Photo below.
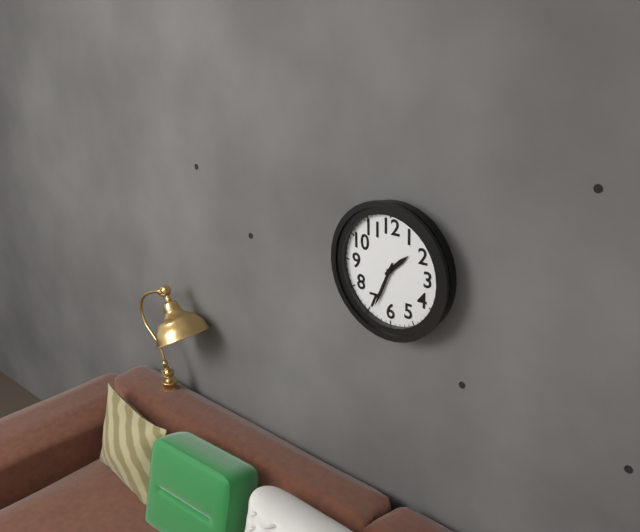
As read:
1:34
